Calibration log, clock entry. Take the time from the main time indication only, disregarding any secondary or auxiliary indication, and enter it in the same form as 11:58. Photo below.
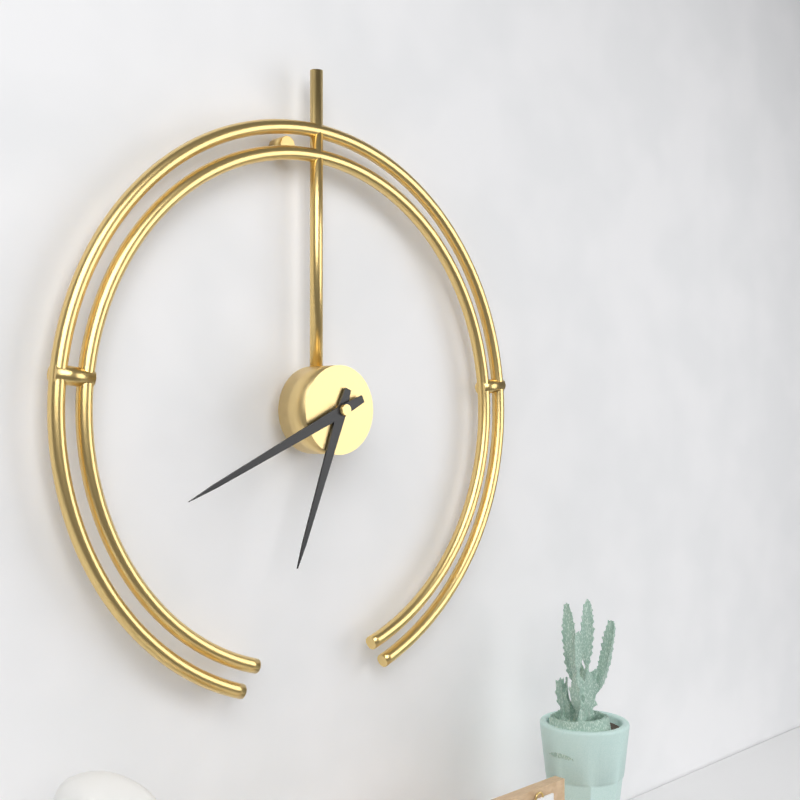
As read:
6:41
